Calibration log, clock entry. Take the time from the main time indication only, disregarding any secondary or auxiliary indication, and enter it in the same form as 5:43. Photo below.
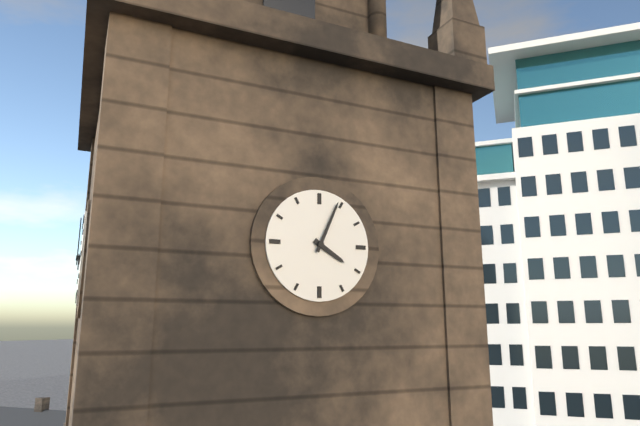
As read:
4:04
